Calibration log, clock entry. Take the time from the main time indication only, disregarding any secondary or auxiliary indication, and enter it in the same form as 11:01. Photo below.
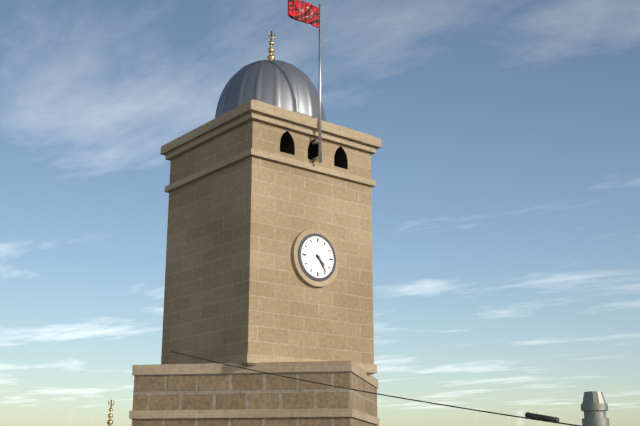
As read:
4:24
